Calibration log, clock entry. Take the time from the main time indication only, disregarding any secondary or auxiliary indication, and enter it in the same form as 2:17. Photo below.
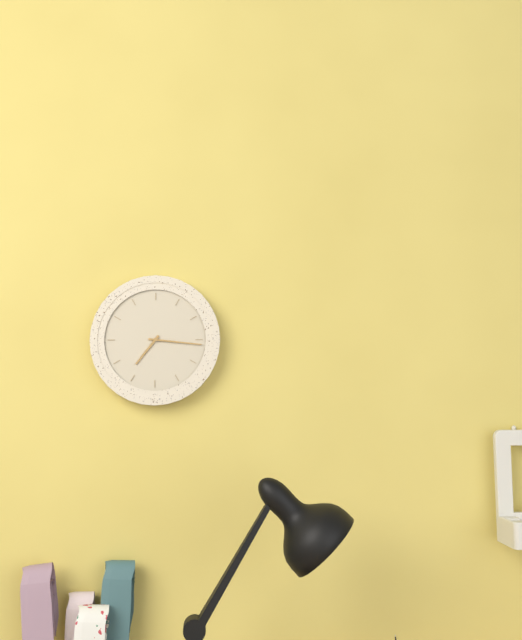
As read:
7:16
